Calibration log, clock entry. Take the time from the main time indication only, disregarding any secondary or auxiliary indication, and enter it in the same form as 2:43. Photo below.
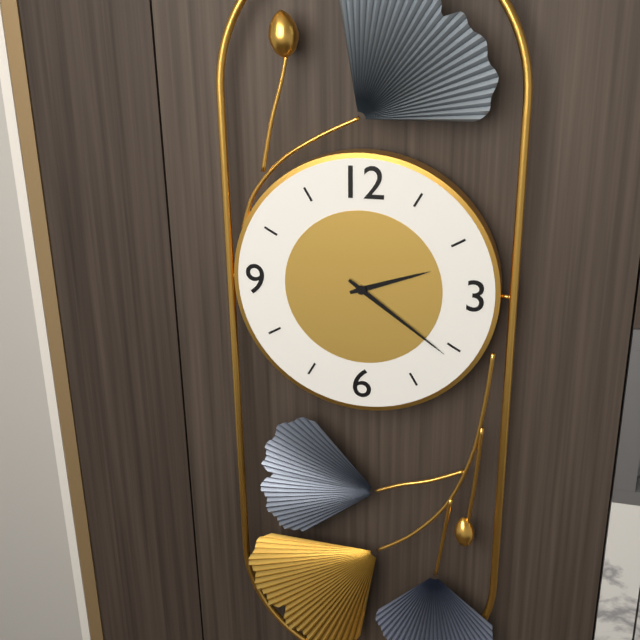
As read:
2:21
